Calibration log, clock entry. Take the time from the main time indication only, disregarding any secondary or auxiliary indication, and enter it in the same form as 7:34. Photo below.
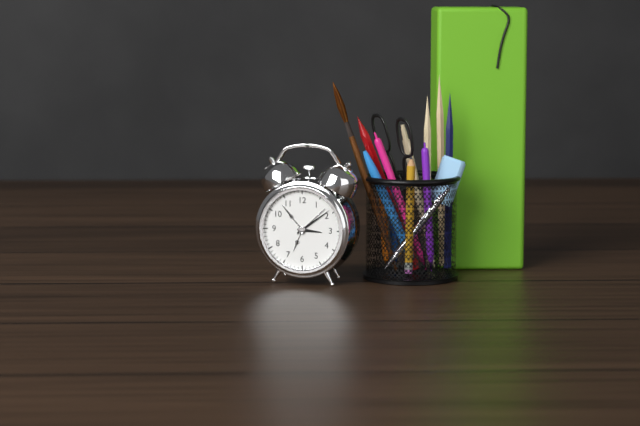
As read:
3:09
